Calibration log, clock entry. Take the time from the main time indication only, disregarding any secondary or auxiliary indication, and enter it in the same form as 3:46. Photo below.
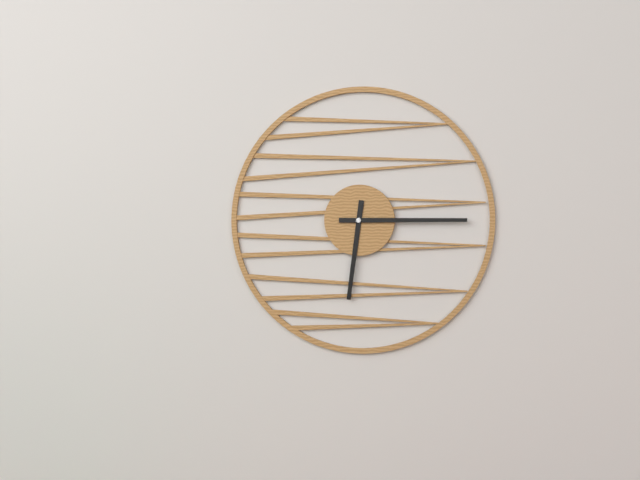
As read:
6:15
